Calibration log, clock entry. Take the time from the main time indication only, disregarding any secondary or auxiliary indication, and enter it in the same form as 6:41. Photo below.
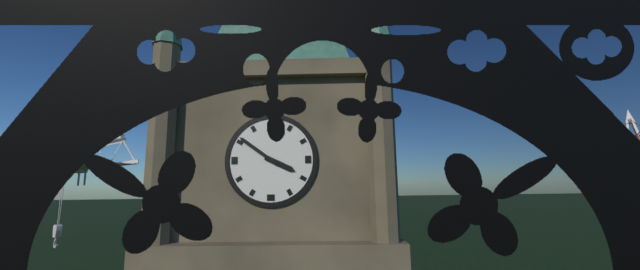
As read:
3:51
